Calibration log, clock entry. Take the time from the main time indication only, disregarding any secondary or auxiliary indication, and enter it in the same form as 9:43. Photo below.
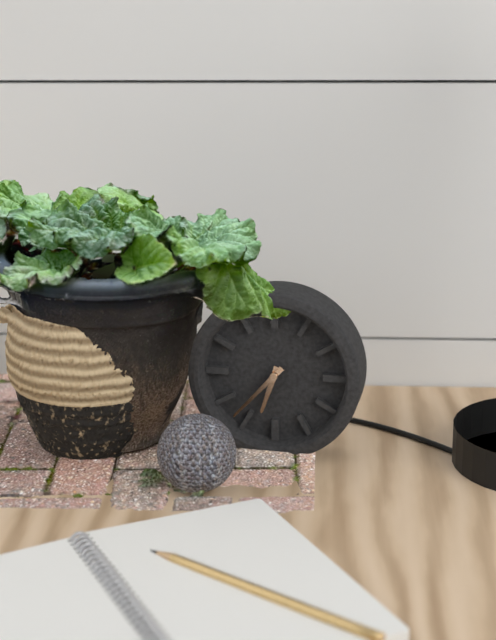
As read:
6:37
